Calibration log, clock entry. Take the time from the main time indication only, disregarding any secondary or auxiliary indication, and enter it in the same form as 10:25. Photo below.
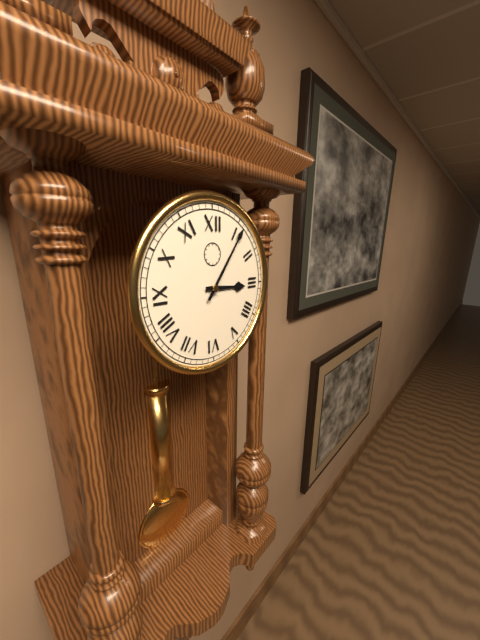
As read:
3:06
